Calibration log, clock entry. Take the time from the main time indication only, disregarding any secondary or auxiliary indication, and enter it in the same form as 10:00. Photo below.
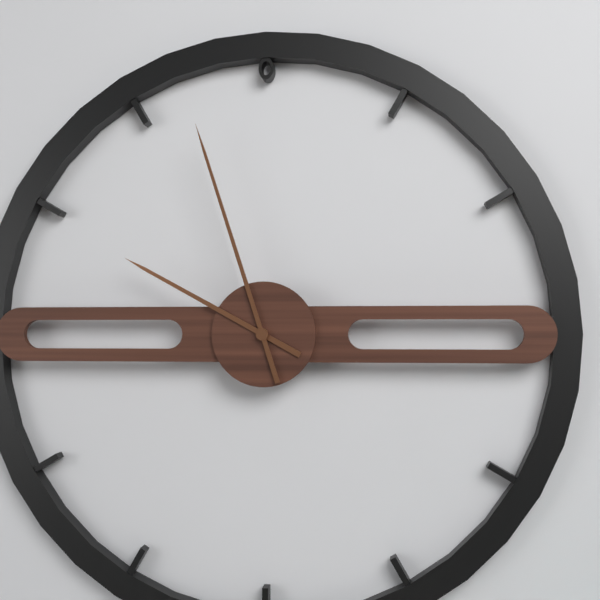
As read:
9:57
